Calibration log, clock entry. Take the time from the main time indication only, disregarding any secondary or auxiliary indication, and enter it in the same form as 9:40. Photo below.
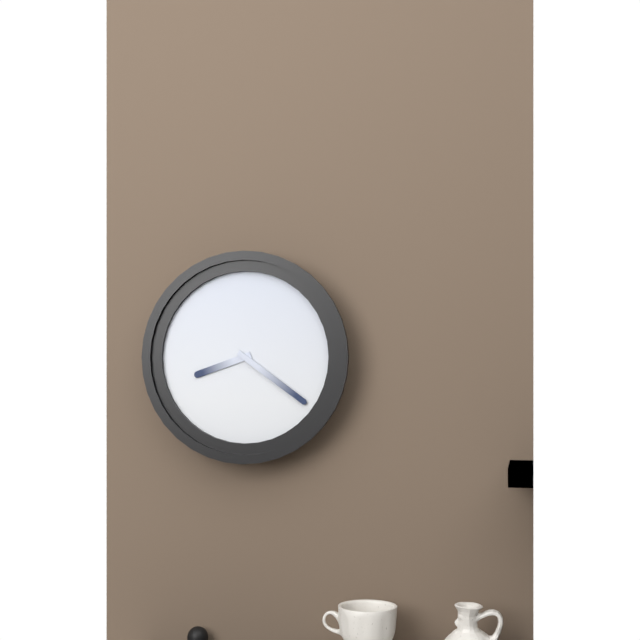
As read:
8:21
